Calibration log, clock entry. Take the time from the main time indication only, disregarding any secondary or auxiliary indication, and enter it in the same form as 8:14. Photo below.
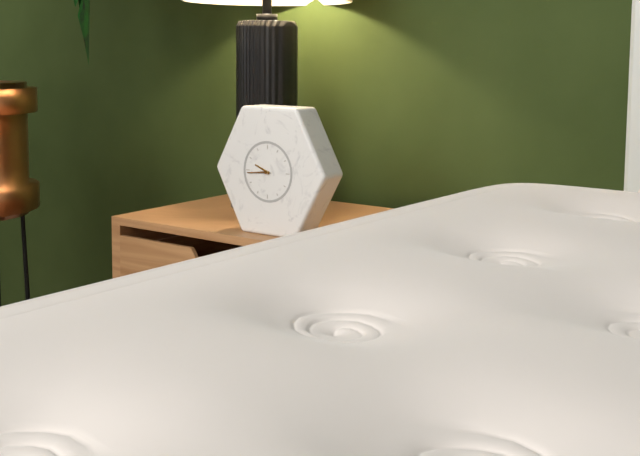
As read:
9:44
